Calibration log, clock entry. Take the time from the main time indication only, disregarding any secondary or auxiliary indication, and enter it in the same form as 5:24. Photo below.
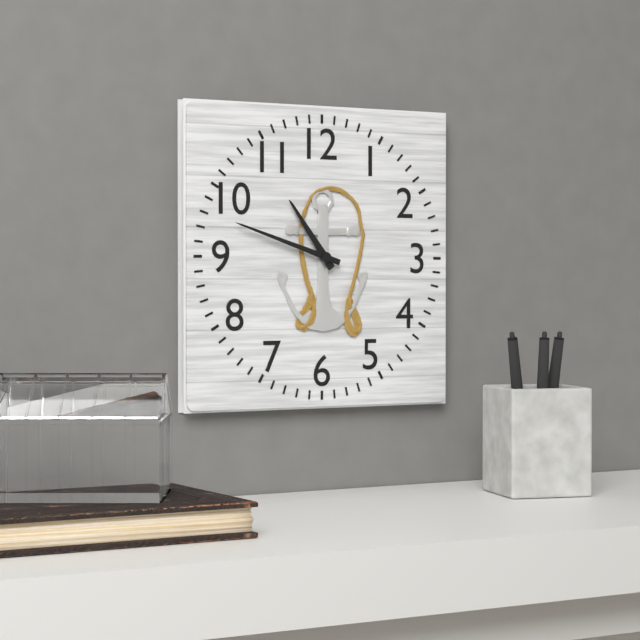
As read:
10:48
